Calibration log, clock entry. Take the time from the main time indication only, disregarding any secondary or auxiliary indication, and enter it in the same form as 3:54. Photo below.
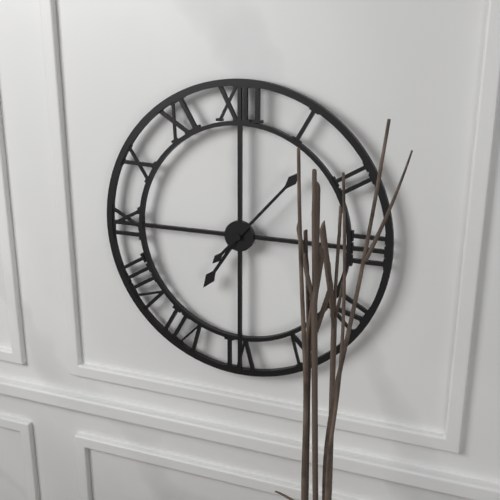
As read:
7:07
